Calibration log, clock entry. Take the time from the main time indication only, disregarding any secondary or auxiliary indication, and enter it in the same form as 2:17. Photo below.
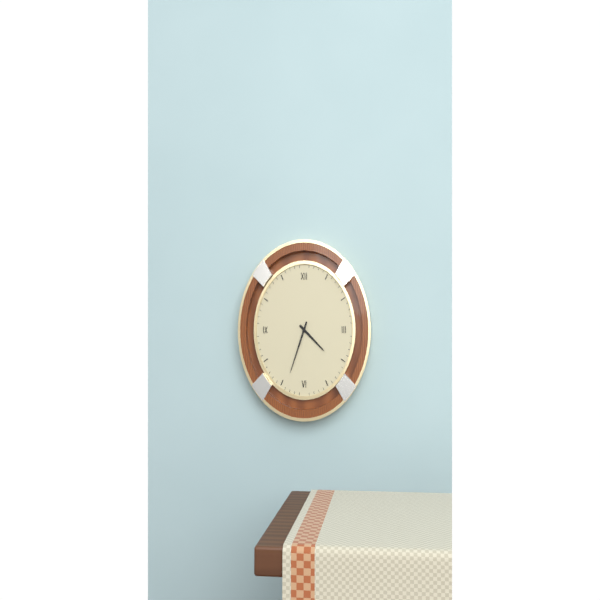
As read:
4:33
